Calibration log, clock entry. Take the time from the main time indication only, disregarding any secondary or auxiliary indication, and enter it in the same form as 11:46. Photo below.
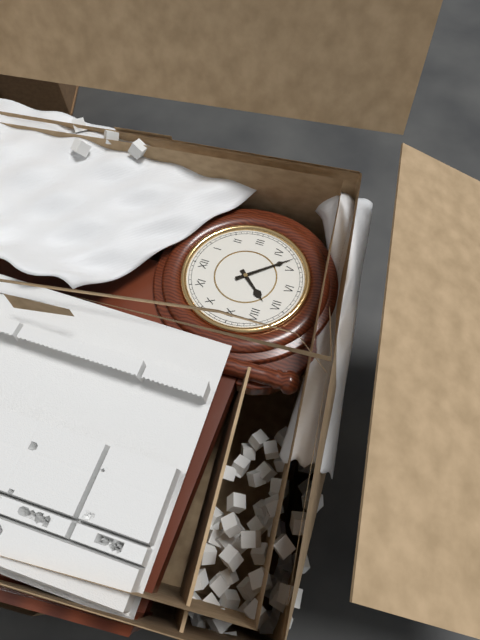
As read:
7:23
